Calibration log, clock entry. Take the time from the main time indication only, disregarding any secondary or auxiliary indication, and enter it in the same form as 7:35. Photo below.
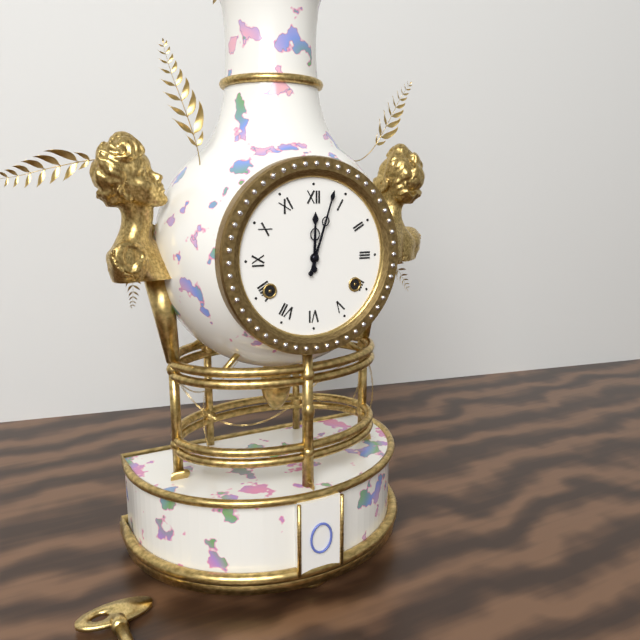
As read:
12:03
